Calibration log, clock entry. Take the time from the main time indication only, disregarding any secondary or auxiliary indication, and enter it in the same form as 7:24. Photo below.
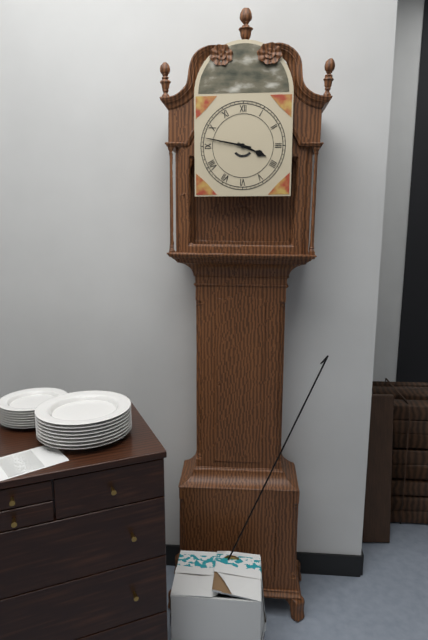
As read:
3:47
